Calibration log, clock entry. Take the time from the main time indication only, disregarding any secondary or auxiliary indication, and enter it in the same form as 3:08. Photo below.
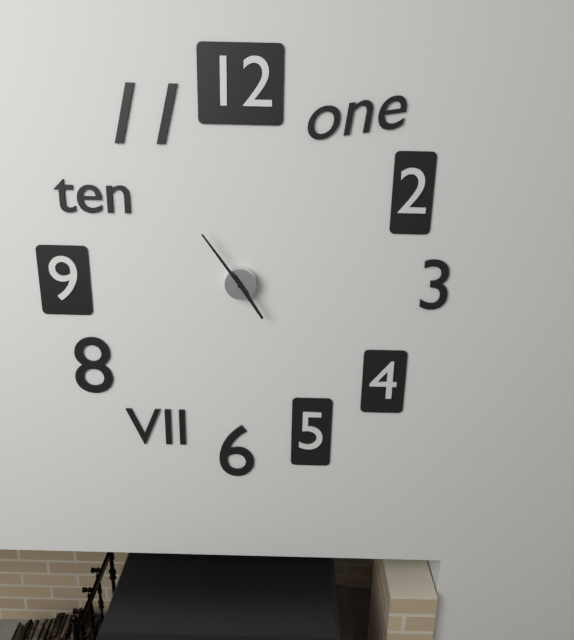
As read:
4:54
